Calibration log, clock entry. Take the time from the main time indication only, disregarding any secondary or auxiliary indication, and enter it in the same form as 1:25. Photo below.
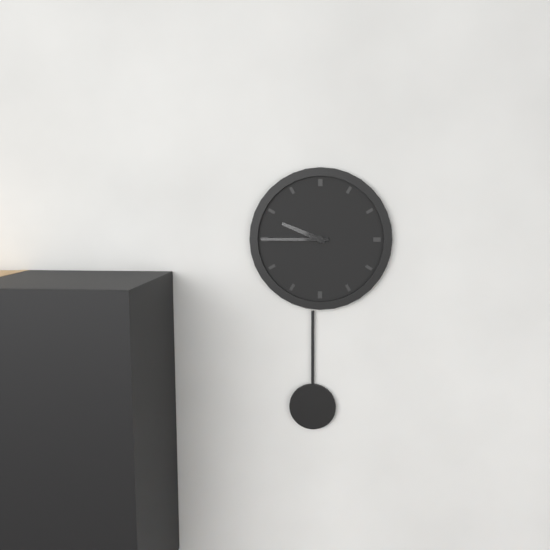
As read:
9:45
